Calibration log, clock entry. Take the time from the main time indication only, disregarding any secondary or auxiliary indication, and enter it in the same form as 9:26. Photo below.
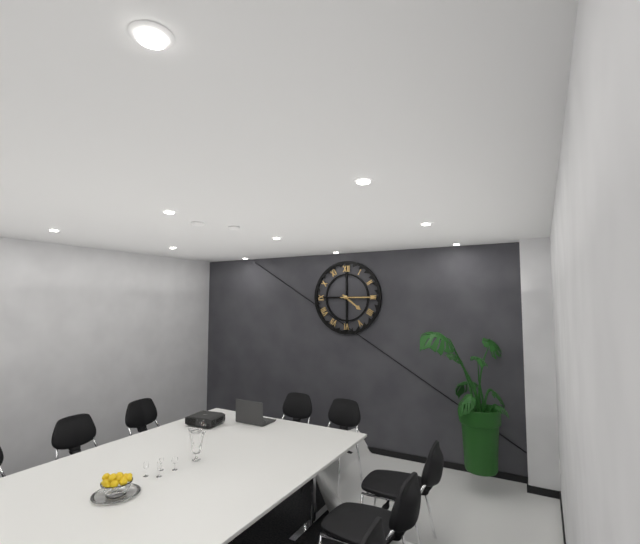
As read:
4:15
